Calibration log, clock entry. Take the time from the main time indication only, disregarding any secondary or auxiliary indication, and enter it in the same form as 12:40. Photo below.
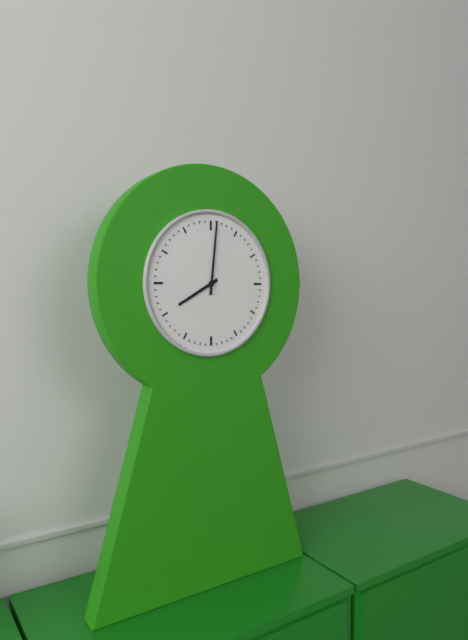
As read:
8:01
